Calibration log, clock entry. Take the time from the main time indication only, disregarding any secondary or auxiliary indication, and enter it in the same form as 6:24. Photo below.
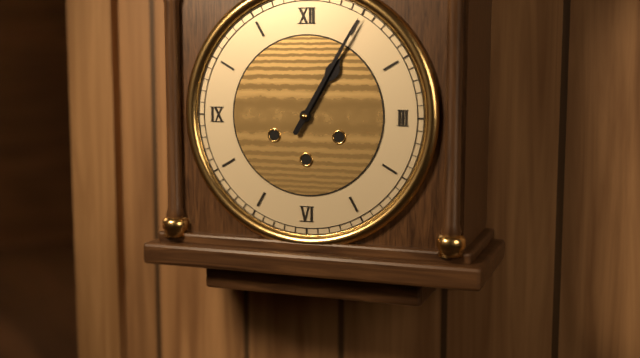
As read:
1:05
